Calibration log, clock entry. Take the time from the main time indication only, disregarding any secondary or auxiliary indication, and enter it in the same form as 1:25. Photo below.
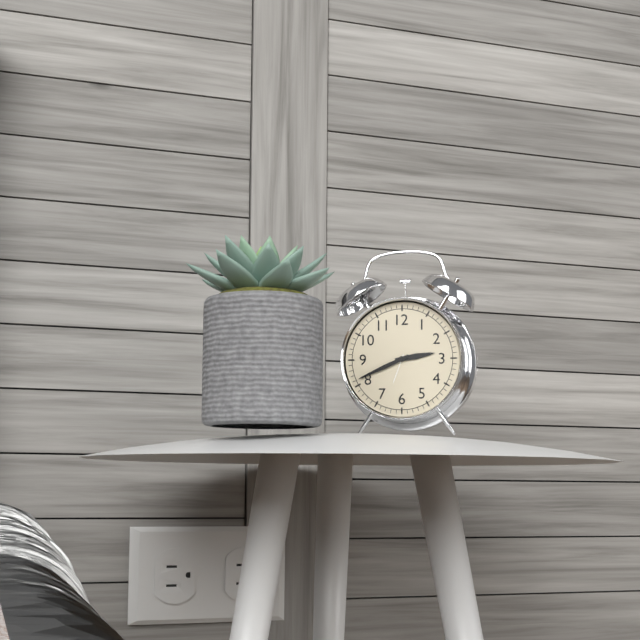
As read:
2:41
